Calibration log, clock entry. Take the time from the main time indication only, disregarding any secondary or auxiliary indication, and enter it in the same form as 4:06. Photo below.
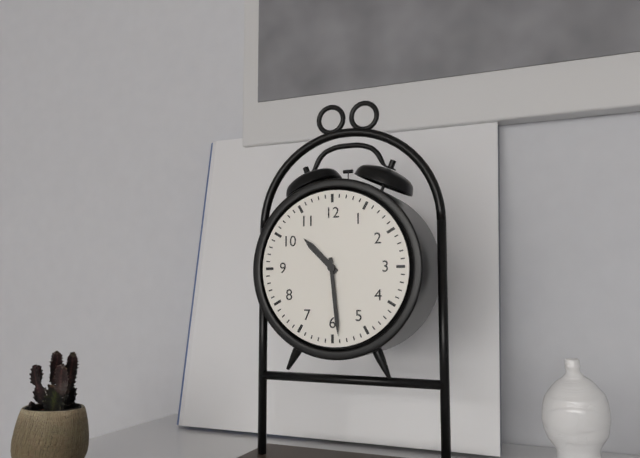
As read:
10:29
